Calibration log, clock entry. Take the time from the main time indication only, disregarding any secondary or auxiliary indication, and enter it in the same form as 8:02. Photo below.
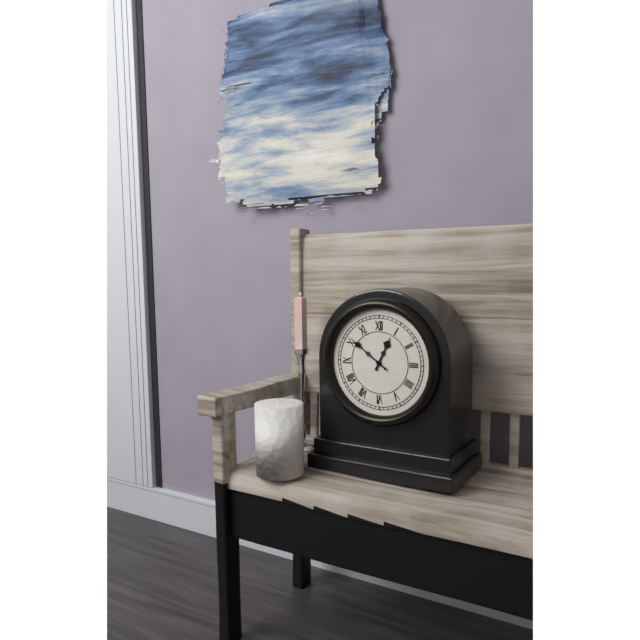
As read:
12:51
